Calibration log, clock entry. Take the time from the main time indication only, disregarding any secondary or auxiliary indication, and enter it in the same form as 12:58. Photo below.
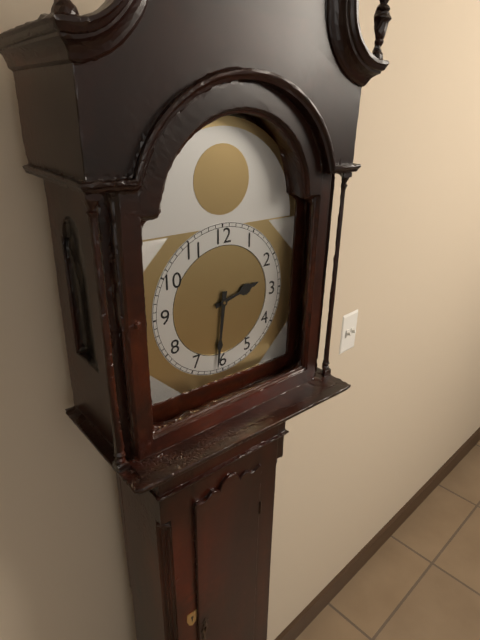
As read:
2:31
